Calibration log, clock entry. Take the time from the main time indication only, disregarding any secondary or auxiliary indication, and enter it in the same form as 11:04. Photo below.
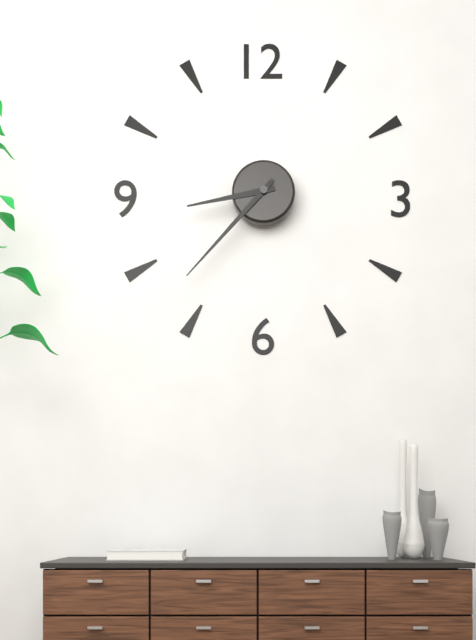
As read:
8:37
